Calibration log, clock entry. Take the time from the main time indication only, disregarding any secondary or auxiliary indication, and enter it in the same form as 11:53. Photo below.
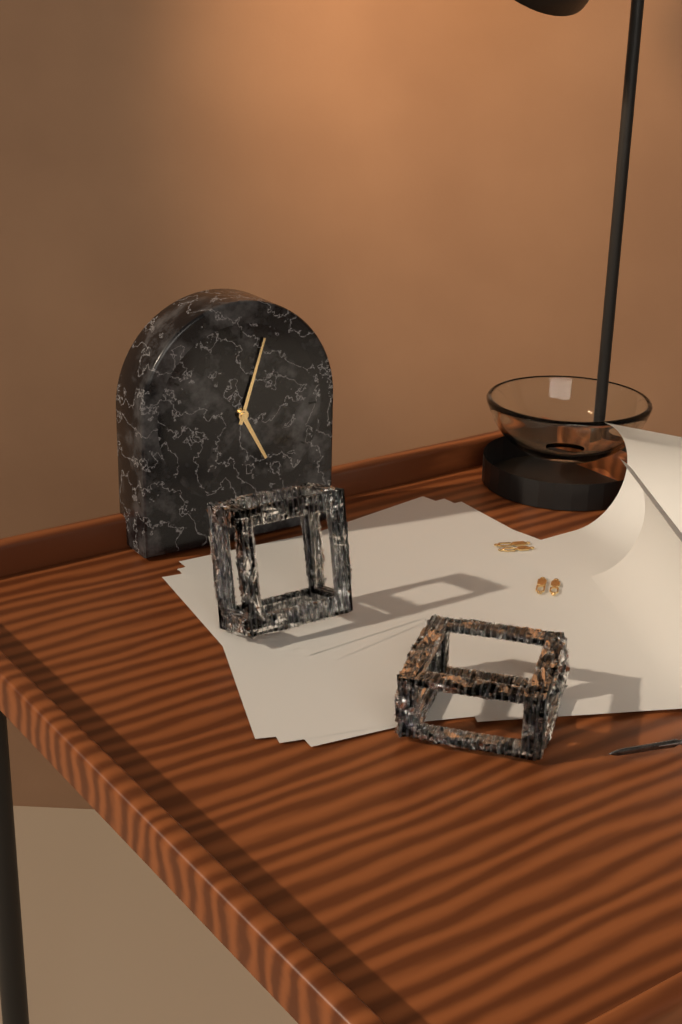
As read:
5:03
